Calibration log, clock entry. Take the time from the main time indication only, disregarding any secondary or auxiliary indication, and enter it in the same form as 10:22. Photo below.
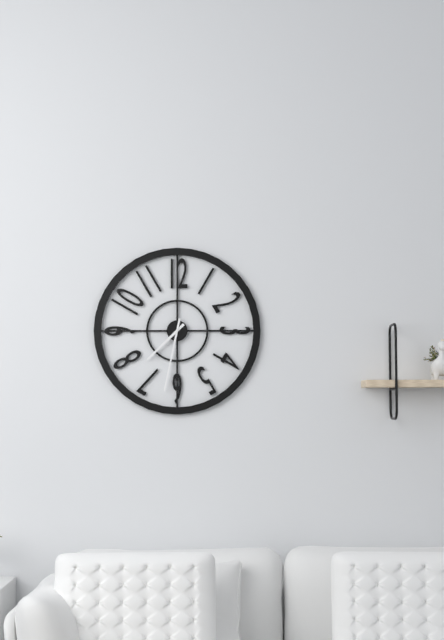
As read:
7:32
